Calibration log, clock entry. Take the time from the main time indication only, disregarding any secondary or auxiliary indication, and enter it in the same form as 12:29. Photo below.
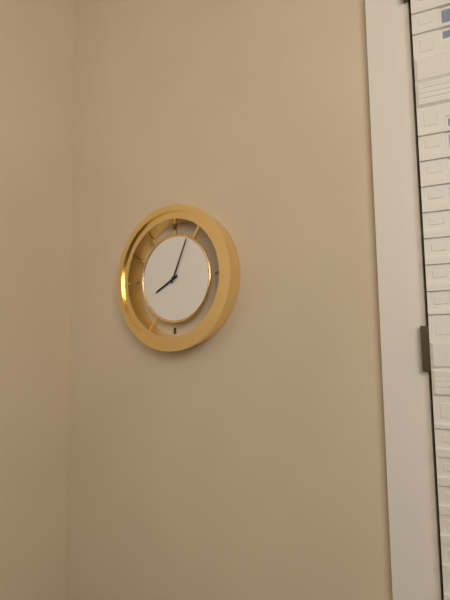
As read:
8:04
